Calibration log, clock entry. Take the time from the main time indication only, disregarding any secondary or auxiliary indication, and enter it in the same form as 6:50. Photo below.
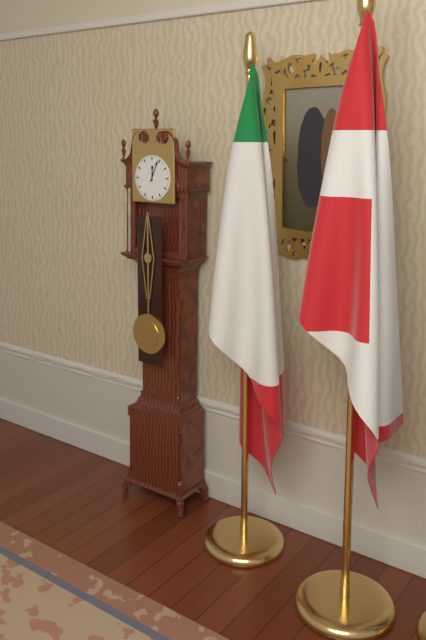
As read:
12:04
